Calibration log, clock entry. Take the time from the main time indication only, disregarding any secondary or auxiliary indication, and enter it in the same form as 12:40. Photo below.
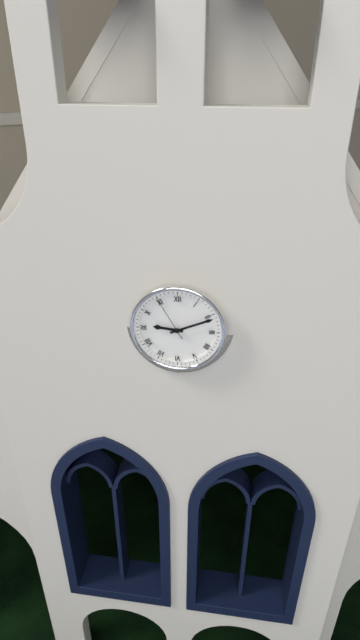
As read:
9:11
